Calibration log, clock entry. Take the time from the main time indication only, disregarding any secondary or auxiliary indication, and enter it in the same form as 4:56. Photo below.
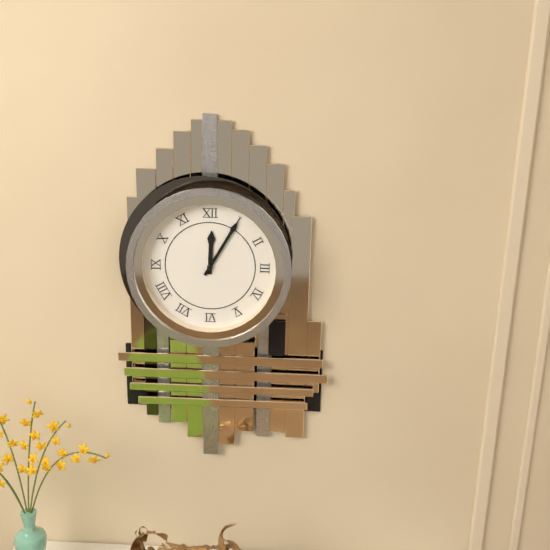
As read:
12:05
